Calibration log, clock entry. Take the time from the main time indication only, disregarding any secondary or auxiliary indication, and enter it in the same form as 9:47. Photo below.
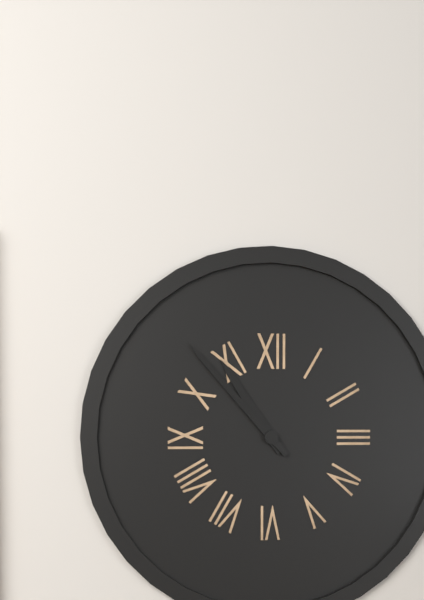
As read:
10:53
